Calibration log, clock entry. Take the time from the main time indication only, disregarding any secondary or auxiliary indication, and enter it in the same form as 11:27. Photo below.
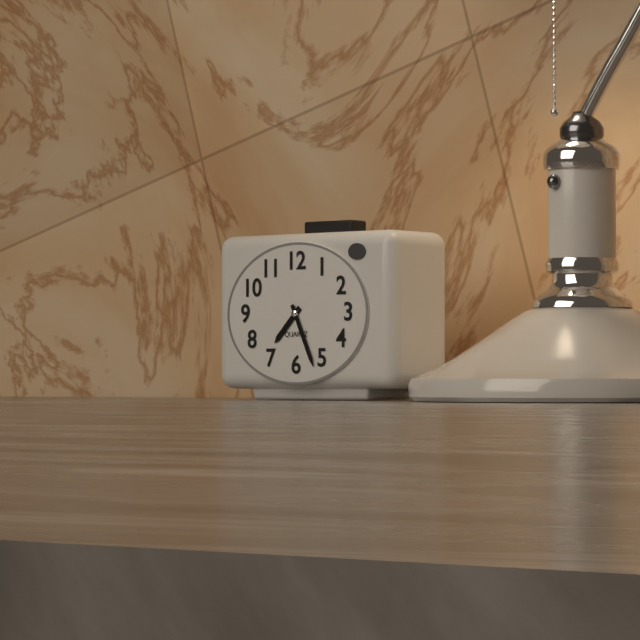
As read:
7:26
